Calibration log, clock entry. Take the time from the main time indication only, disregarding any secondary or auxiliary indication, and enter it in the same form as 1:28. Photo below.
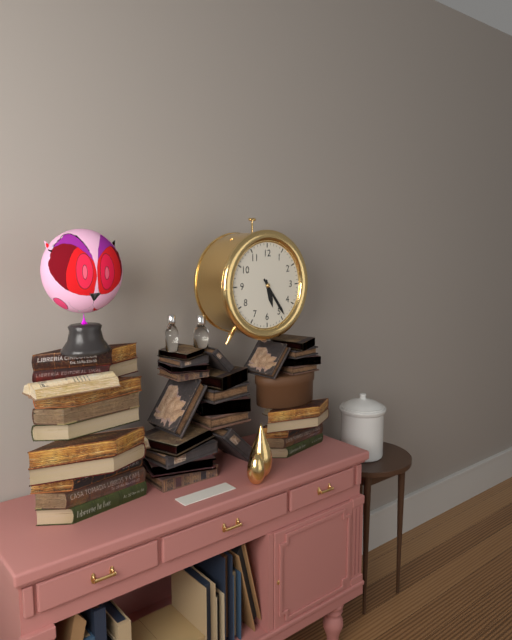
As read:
5:24
